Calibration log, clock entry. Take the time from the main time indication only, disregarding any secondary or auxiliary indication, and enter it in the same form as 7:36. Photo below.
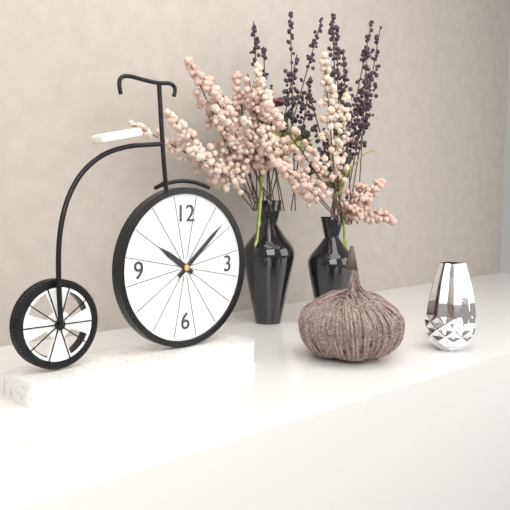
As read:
10:08
